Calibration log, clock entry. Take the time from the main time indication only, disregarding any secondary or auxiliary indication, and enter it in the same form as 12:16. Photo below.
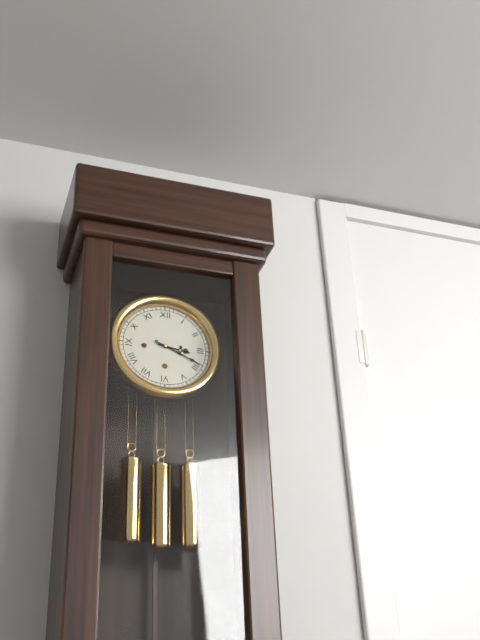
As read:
3:19
